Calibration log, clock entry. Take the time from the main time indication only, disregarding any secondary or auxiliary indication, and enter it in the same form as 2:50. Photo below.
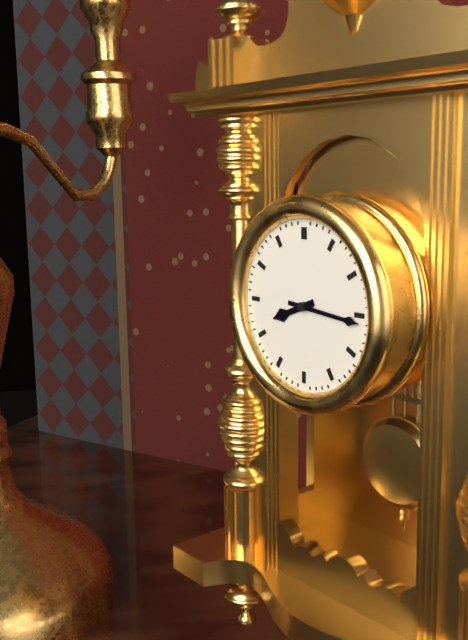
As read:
8:16
